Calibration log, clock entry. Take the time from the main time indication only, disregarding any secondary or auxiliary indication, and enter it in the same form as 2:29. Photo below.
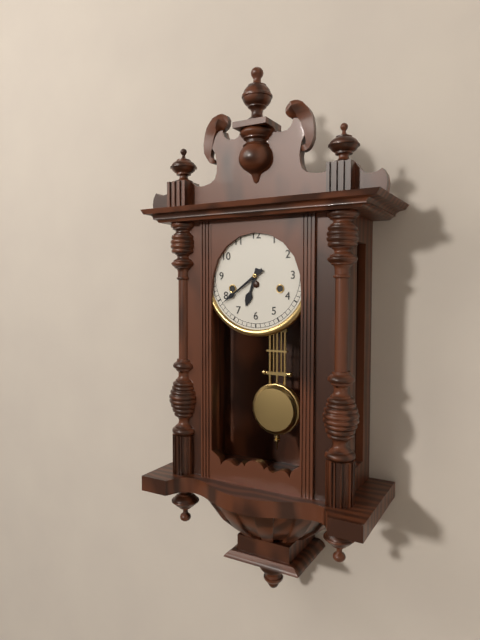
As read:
6:39
